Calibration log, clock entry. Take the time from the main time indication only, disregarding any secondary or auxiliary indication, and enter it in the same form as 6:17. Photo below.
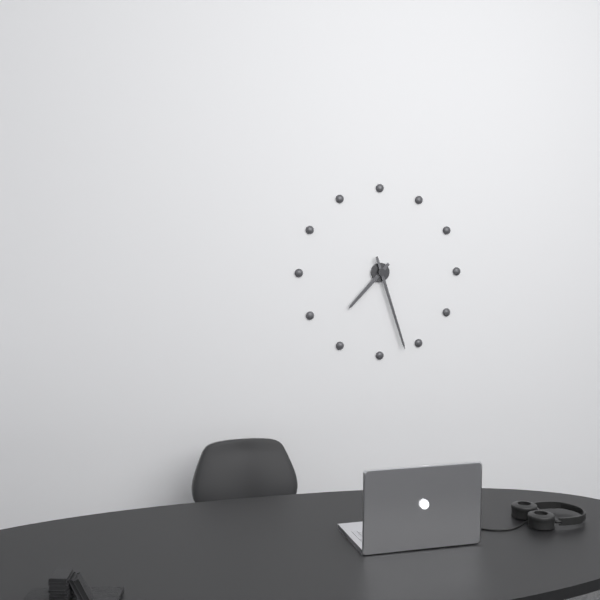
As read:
7:27
